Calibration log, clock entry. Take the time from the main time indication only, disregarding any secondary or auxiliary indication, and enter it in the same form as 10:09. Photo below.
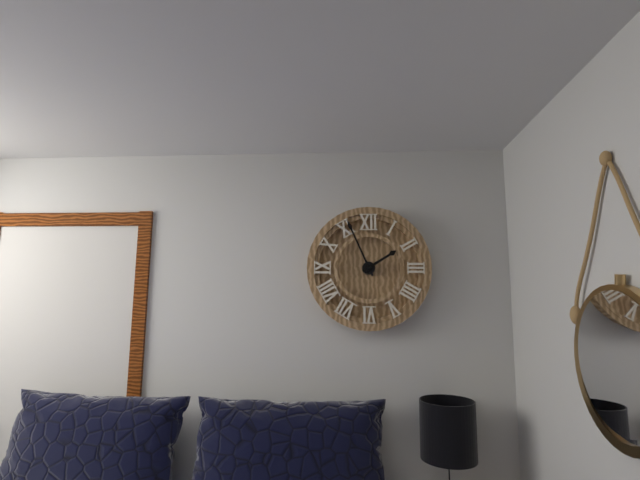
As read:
1:56
